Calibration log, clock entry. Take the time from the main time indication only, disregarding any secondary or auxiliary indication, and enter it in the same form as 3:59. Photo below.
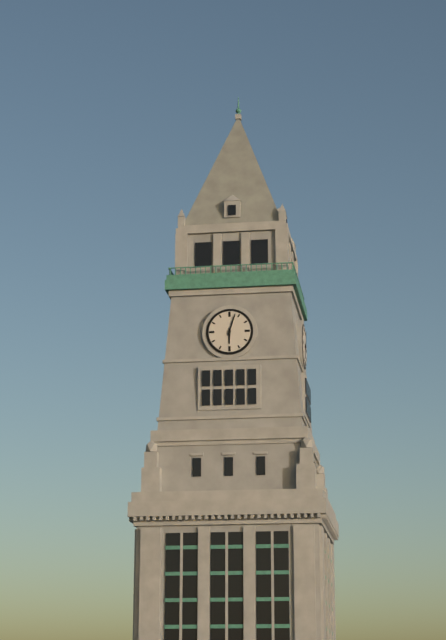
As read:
6:03
